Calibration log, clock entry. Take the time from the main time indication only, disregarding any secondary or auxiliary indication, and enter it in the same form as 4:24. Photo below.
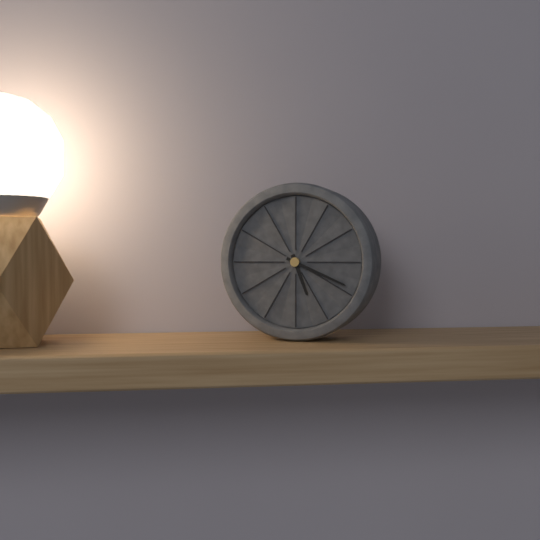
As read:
5:19
